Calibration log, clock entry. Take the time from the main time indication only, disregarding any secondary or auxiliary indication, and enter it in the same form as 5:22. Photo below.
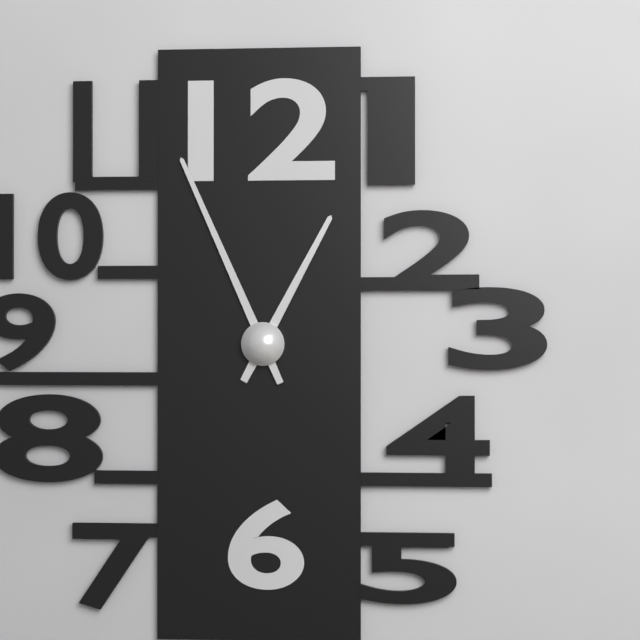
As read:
12:56
